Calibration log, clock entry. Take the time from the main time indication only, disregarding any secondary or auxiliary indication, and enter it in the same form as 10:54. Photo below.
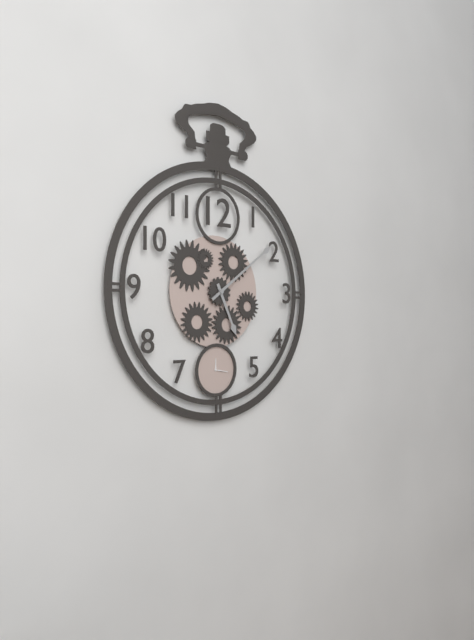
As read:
5:09
